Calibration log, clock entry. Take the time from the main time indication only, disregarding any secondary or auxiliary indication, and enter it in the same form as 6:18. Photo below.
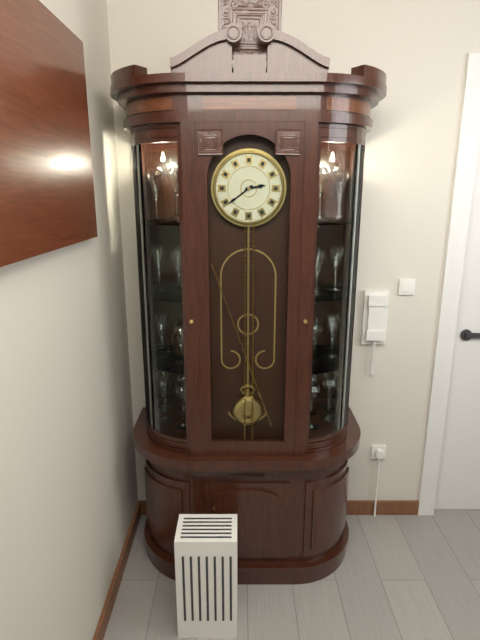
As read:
2:39
